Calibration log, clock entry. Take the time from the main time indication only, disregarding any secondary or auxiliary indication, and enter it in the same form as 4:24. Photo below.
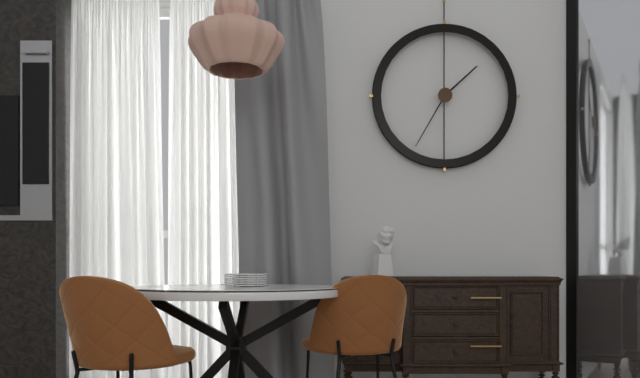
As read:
1:35
